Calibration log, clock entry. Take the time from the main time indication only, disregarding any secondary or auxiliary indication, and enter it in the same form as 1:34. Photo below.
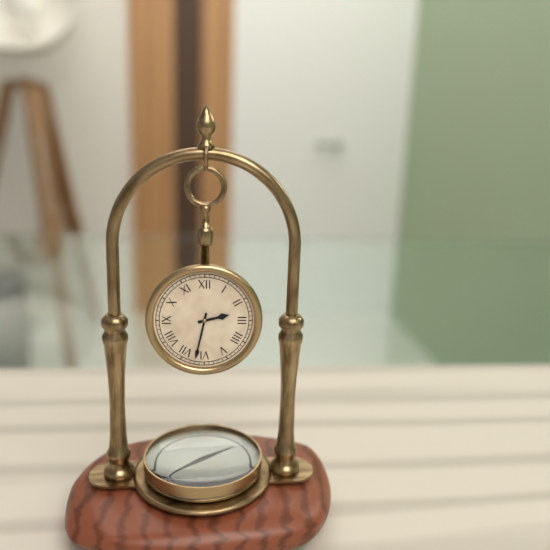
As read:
2:32
